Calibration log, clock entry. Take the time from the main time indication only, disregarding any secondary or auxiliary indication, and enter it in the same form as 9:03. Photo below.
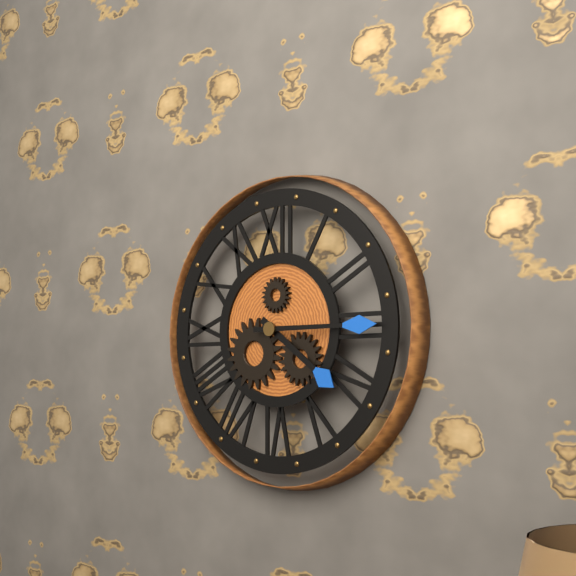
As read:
4:15
